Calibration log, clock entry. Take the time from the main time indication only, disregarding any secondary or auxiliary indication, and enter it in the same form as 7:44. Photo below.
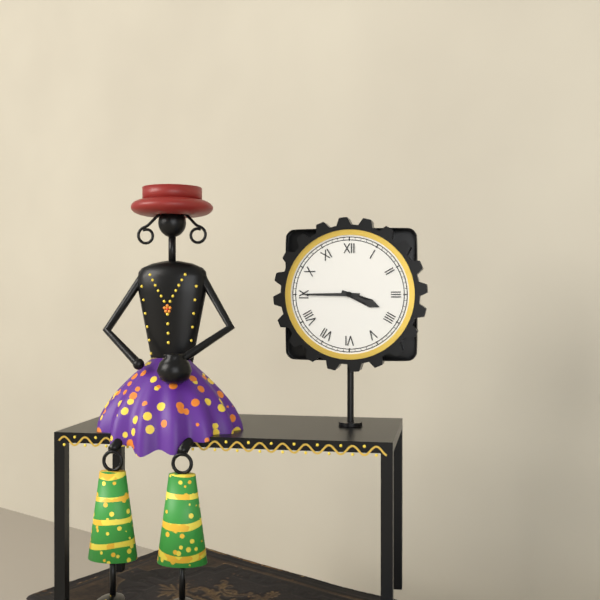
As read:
3:45
